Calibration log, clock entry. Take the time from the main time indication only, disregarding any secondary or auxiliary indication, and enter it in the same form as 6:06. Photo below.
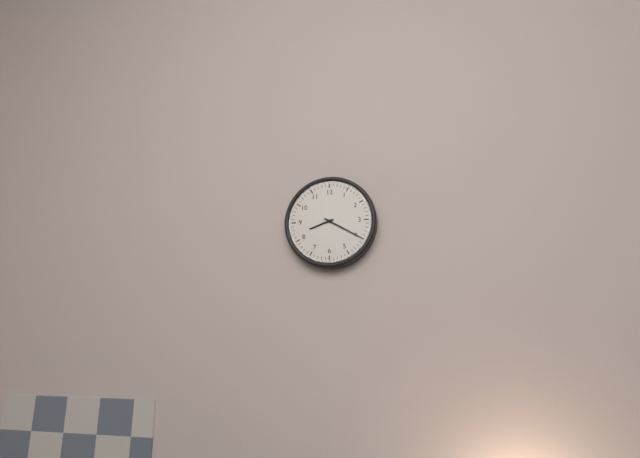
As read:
8:20
